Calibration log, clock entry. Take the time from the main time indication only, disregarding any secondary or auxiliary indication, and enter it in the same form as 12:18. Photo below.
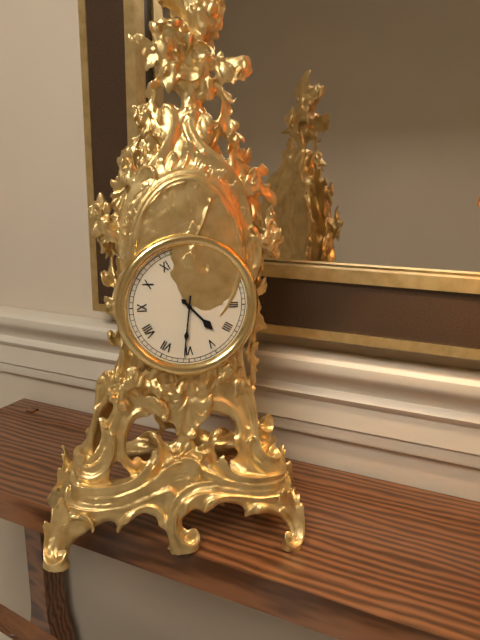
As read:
4:31
